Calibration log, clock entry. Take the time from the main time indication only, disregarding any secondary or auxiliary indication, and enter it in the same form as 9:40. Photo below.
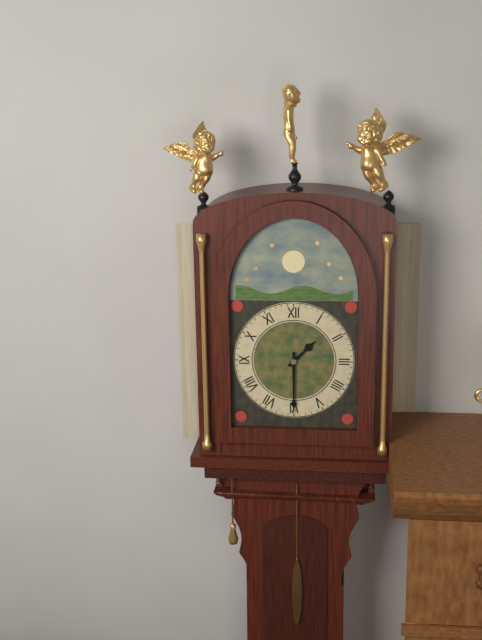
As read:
1:30
